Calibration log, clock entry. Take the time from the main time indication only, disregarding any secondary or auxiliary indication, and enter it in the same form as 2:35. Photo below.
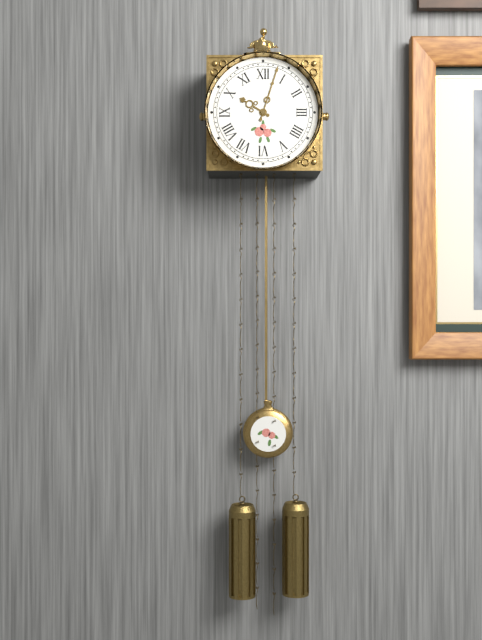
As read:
10:03
